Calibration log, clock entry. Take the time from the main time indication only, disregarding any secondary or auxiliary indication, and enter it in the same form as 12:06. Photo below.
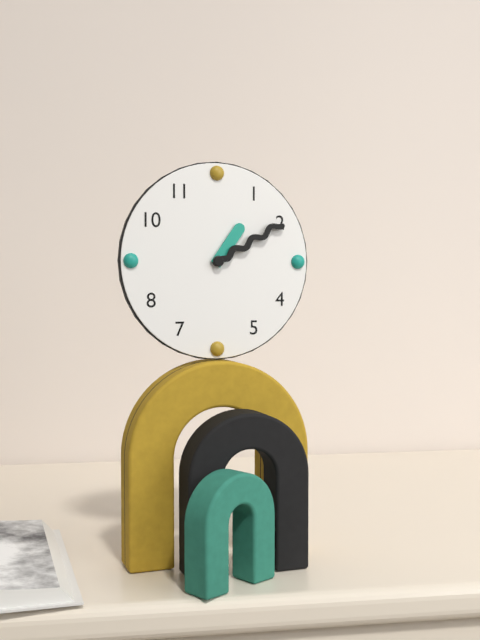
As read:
1:10
